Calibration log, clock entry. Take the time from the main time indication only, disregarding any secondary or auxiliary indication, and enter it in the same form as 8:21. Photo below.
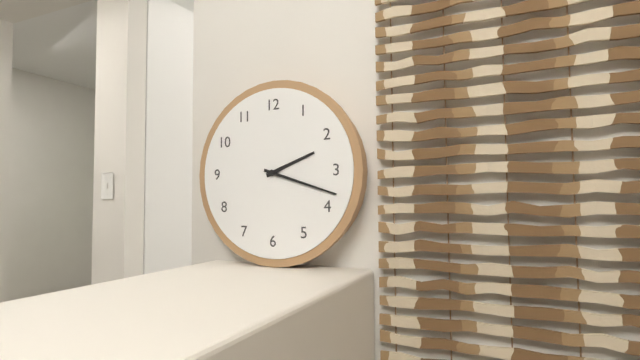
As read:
2:18
